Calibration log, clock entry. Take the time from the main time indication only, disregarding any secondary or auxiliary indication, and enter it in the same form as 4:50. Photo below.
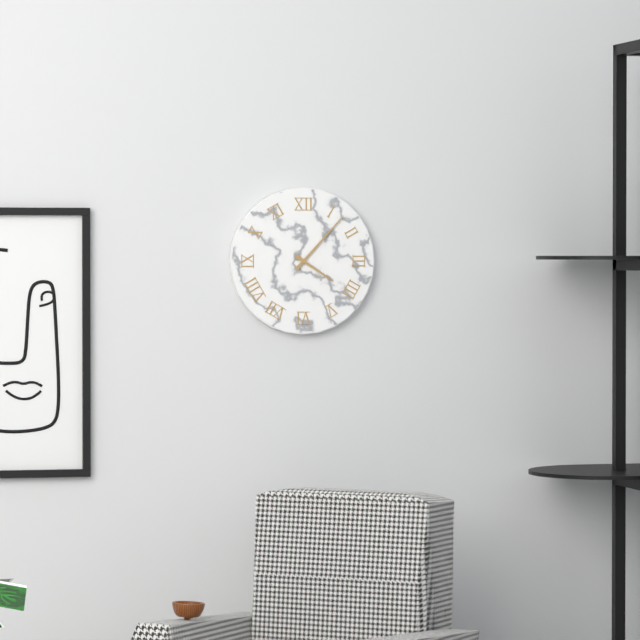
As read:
4:07
